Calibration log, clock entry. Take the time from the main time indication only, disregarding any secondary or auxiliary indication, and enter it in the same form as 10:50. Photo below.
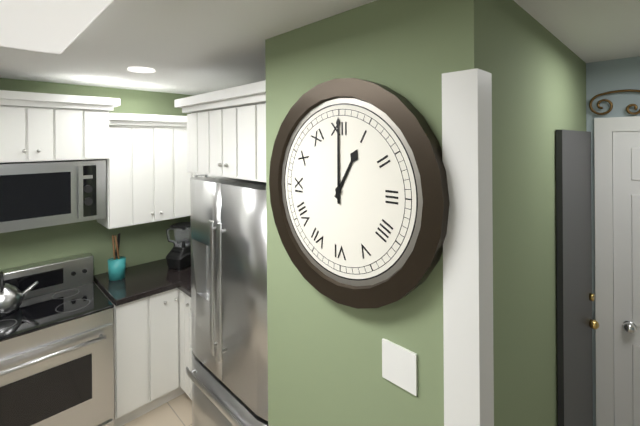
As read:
1:00
